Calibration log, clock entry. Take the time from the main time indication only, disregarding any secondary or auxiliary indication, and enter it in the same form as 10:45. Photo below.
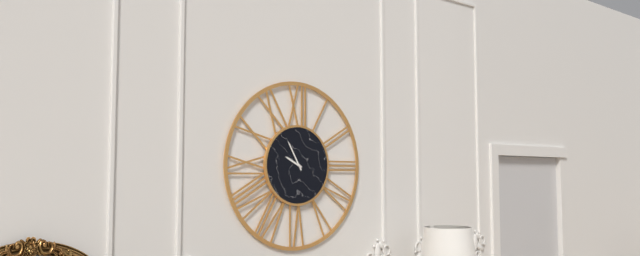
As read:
9:55
